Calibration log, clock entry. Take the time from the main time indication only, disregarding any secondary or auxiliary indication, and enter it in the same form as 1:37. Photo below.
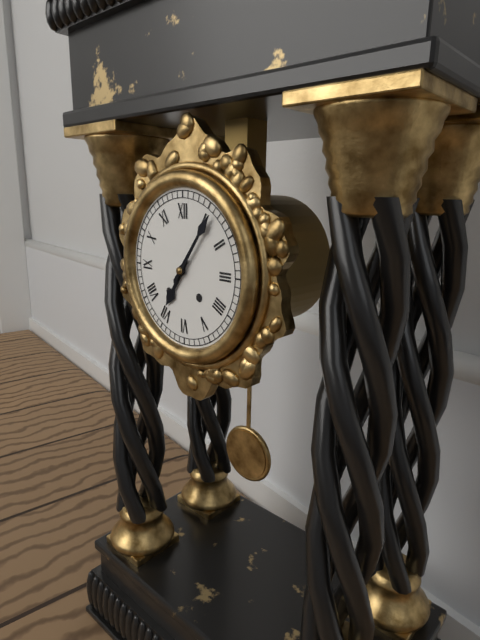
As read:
7:06
